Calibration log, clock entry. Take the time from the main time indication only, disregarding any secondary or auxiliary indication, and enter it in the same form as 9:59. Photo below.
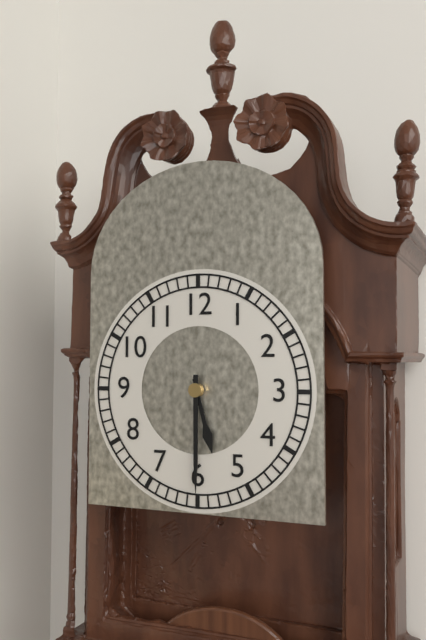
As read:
5:30
